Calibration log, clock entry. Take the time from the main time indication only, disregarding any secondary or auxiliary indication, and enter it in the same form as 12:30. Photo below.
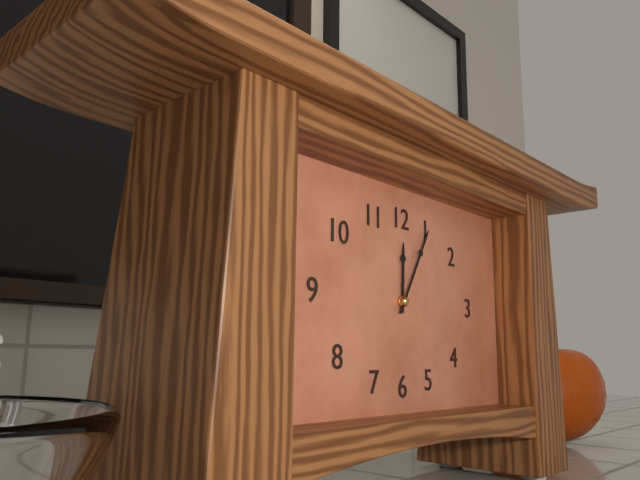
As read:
12:05
